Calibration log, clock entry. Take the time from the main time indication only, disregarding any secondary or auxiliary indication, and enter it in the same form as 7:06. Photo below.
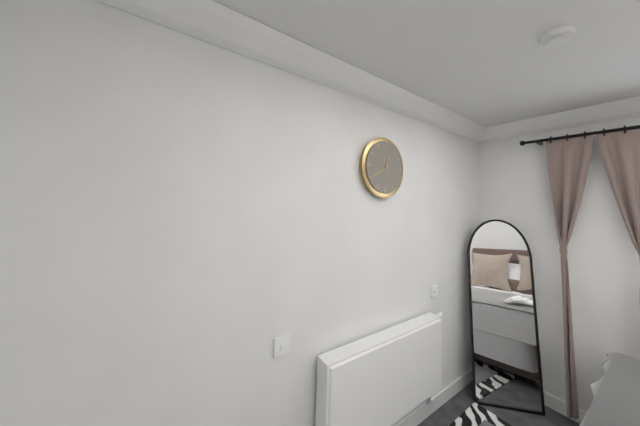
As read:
12:40
